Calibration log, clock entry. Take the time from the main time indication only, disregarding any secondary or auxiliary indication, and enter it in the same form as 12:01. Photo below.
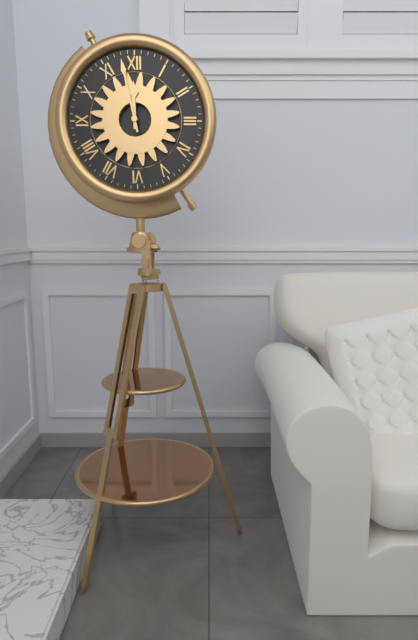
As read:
11:58
